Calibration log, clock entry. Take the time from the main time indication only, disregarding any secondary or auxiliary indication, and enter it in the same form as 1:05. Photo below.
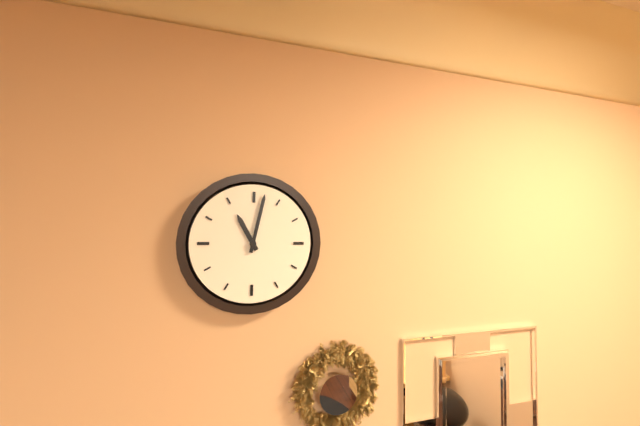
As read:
11:02
